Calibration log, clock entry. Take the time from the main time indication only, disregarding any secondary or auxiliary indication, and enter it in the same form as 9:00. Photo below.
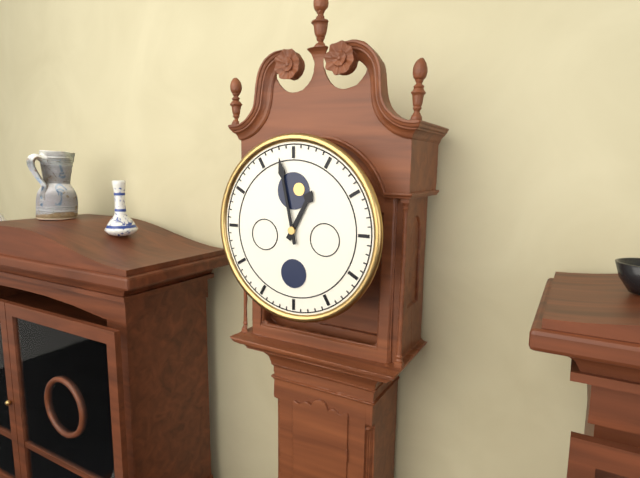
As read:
12:58
